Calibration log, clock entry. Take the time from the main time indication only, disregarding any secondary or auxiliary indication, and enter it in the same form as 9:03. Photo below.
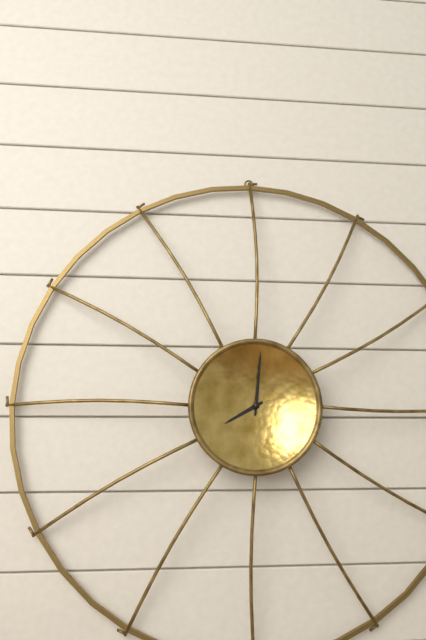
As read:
8:01
